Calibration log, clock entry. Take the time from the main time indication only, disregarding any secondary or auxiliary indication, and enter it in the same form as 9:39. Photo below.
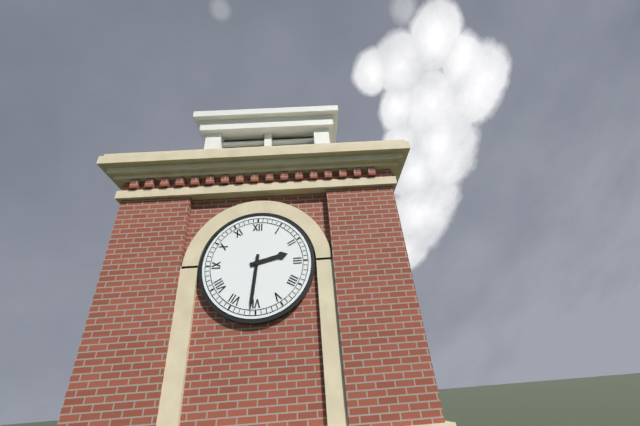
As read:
2:31
